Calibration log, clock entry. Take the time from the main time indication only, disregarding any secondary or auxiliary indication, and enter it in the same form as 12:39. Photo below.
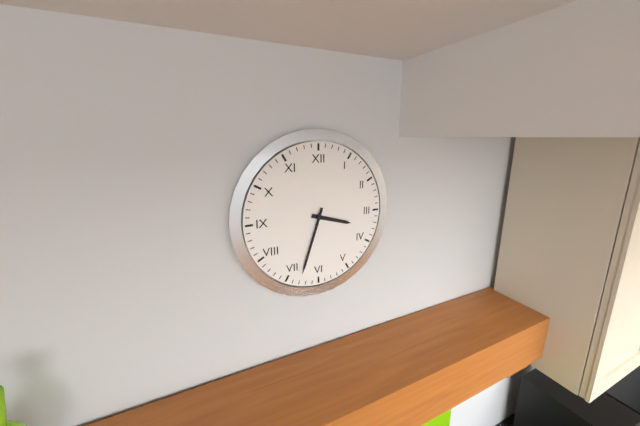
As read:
3:33
